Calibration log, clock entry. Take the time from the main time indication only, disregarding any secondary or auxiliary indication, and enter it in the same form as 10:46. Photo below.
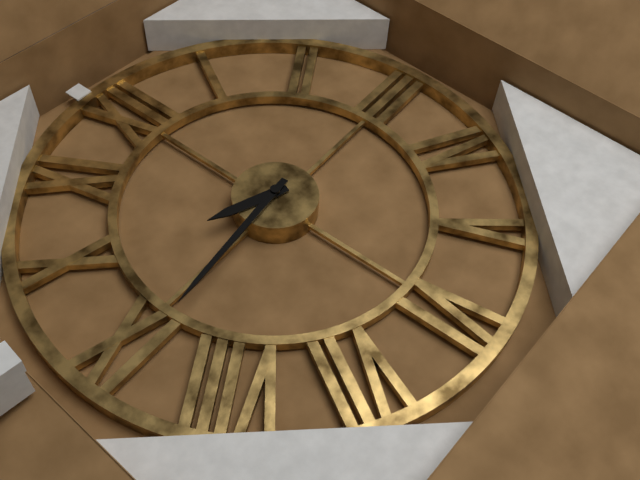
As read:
9:44
